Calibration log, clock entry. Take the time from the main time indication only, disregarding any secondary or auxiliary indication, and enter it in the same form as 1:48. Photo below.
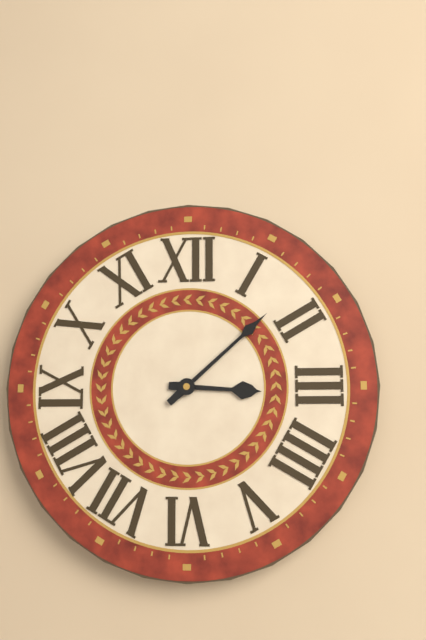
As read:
3:08
